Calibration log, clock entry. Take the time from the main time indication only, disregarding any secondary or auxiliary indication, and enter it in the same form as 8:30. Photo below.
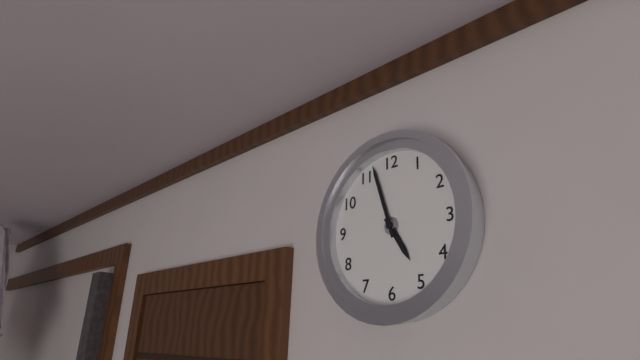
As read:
4:57
